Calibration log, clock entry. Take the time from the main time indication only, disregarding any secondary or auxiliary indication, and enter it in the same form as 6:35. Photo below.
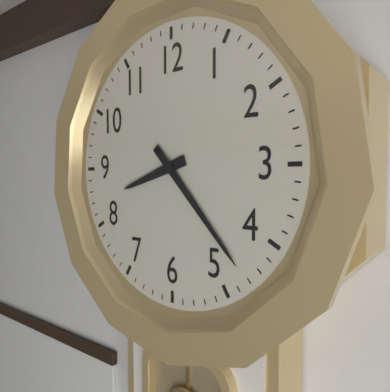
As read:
8:23
